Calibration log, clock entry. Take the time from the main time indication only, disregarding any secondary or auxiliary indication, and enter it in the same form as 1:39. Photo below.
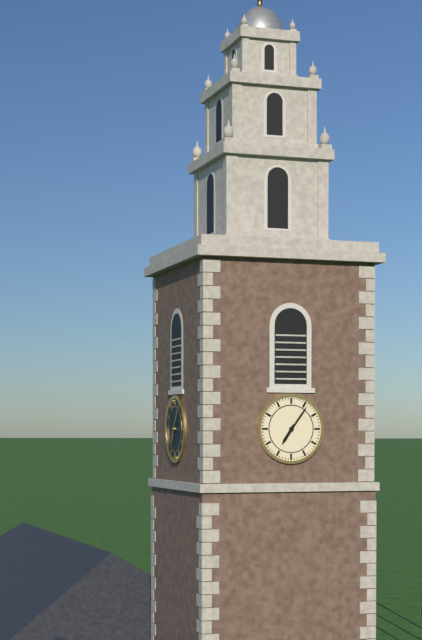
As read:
7:06
